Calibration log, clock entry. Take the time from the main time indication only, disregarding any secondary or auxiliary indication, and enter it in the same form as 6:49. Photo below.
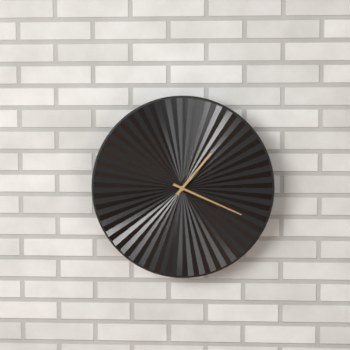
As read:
1:19
